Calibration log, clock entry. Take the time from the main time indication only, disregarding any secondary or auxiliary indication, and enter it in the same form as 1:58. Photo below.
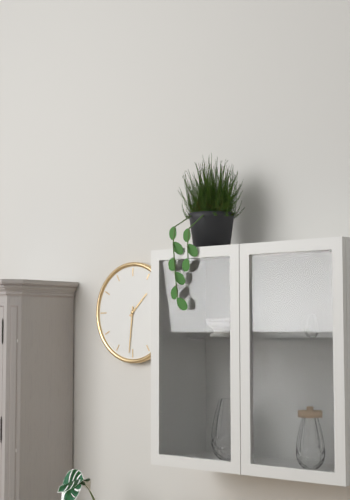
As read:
1:31
